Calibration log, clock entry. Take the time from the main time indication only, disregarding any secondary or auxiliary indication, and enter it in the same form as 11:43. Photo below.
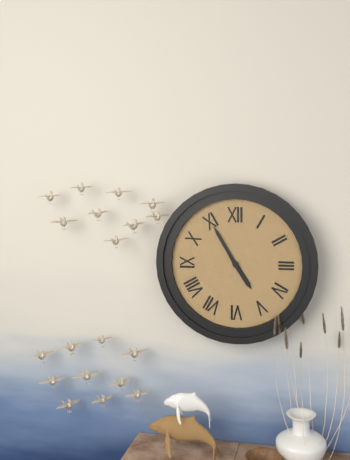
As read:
4:55
